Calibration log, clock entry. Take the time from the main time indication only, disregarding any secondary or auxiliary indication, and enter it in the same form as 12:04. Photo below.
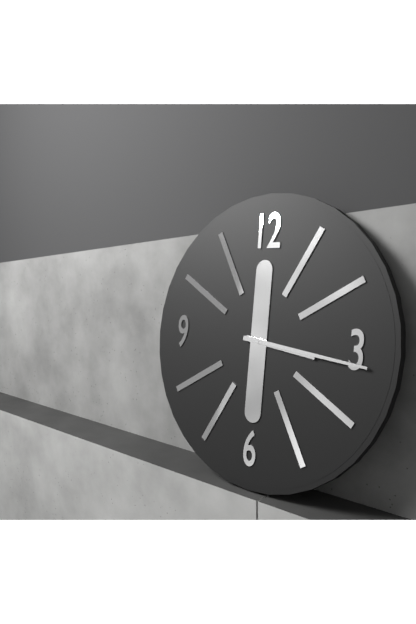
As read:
3:16
